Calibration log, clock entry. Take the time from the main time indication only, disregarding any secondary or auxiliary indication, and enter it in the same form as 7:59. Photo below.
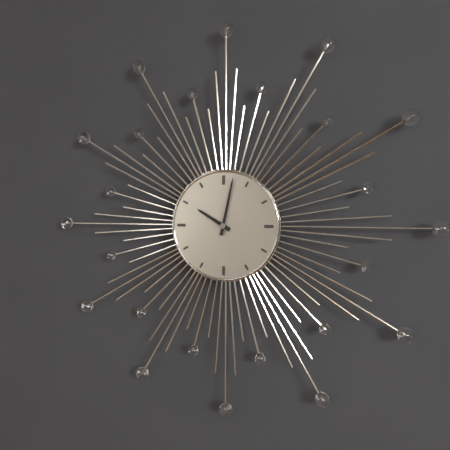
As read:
10:02
